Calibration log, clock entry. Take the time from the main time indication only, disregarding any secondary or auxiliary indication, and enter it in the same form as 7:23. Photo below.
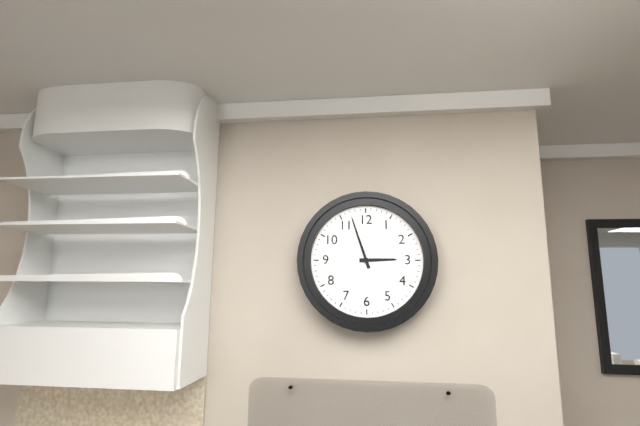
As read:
2:57
